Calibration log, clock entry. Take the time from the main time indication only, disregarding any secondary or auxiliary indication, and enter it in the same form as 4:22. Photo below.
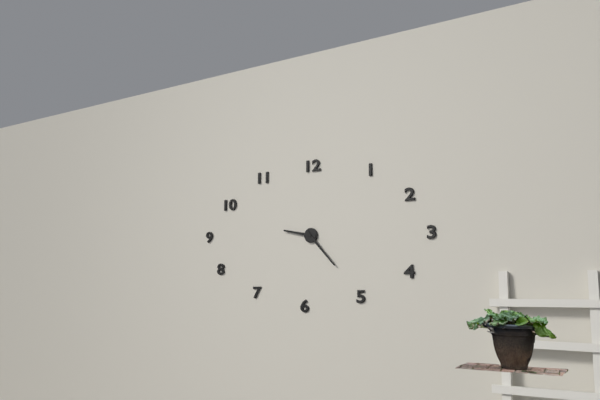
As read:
9:23
